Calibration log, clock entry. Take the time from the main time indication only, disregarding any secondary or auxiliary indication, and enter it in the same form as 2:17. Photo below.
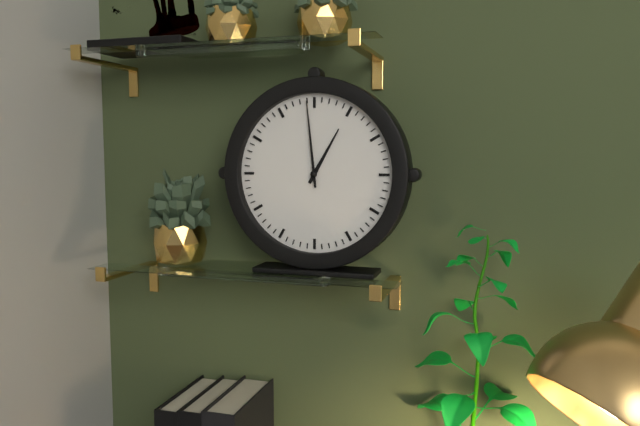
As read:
12:59
